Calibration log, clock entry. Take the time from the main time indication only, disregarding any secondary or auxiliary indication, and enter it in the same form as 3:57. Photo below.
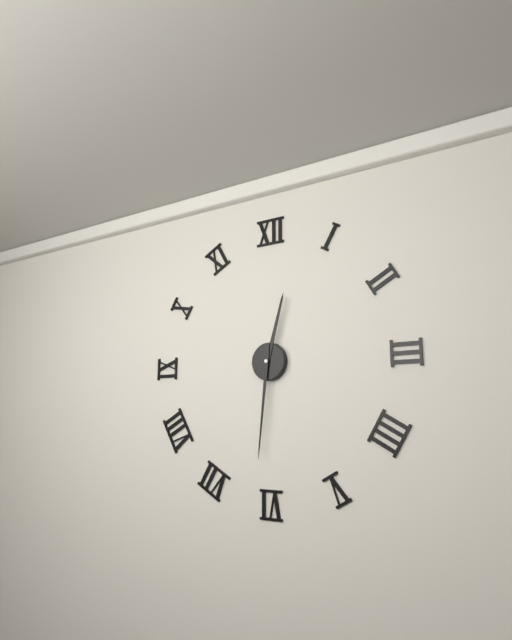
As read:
12:31
